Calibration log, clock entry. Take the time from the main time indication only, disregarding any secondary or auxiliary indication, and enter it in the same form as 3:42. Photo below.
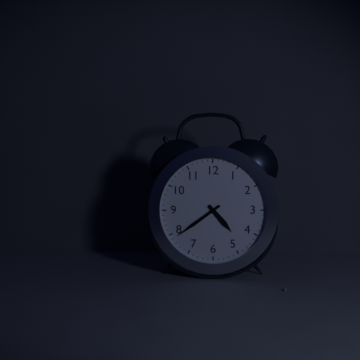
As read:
4:39
